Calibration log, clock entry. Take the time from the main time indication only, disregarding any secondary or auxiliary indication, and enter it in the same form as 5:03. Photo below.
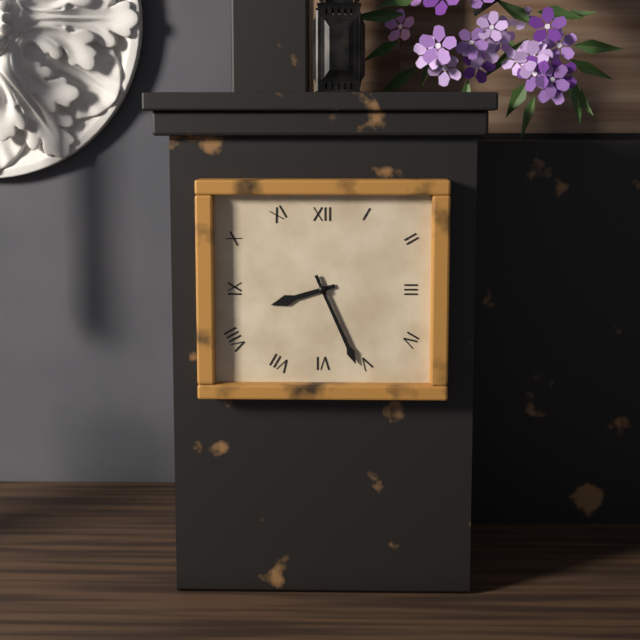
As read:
8:26
